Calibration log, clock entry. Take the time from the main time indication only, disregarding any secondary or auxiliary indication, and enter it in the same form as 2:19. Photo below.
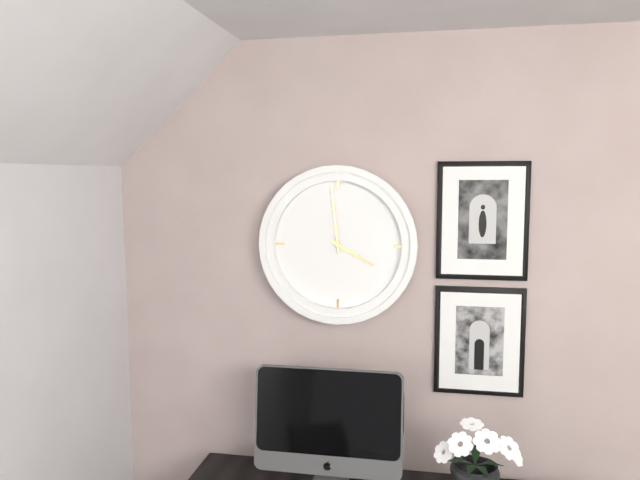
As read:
3:59
